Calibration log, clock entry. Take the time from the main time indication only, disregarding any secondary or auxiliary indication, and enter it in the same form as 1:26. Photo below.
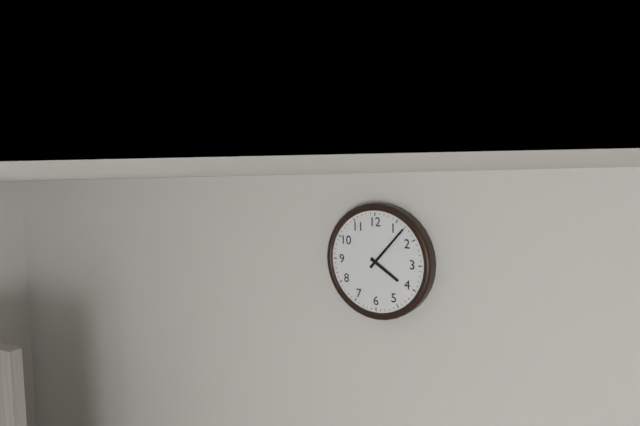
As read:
4:07
